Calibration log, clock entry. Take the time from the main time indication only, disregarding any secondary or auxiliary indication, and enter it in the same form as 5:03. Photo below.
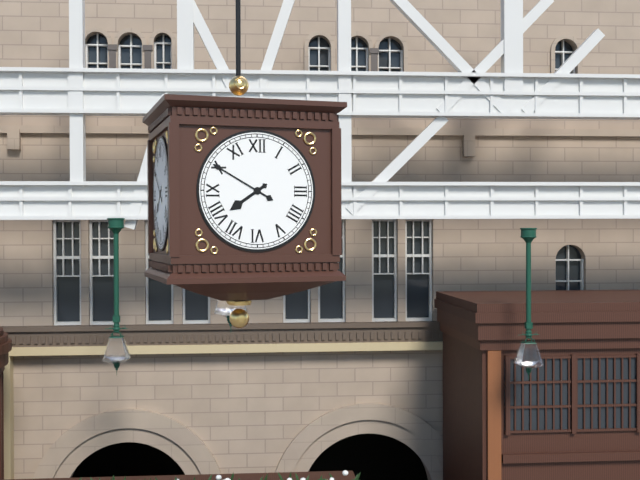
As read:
7:50
